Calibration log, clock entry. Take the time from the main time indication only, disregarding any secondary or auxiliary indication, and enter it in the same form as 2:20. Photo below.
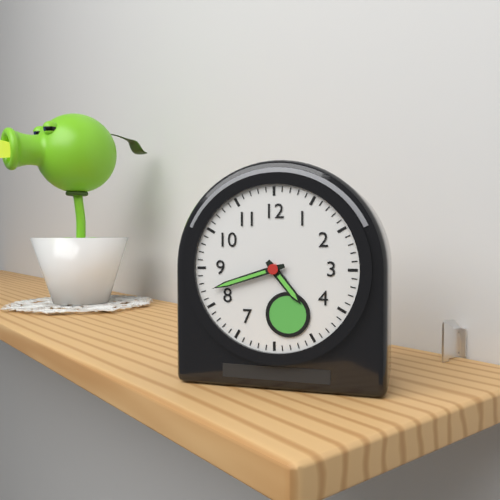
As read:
4:42
